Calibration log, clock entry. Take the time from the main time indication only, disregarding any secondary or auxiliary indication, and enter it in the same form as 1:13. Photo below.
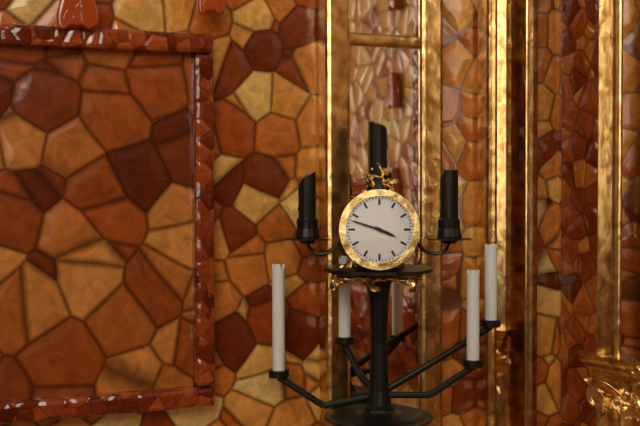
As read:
3:48
